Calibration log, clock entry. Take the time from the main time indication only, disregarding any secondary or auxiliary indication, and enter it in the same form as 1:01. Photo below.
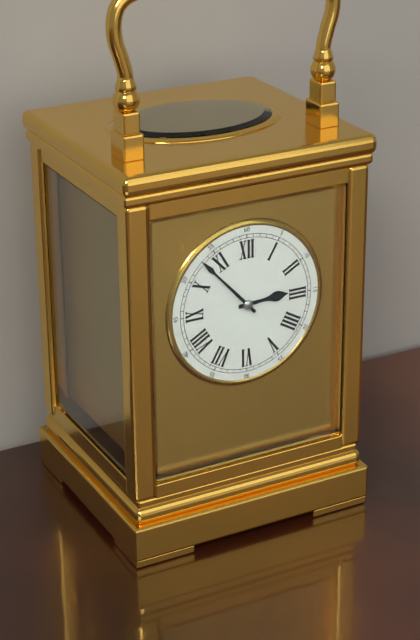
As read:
2:53
